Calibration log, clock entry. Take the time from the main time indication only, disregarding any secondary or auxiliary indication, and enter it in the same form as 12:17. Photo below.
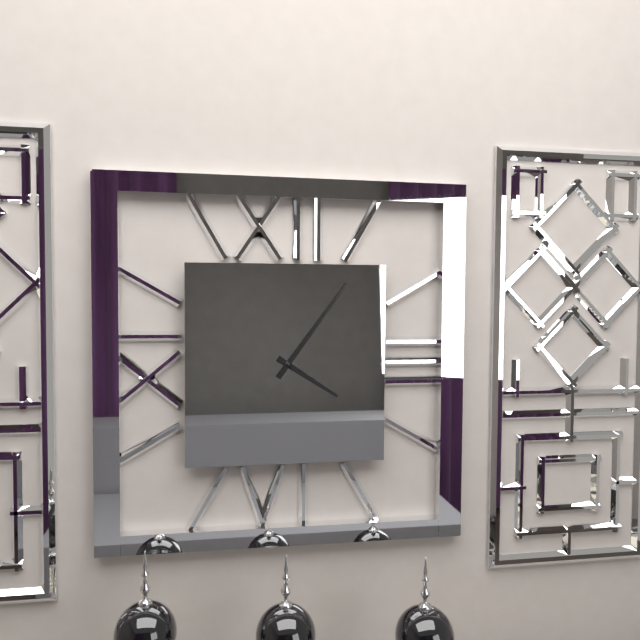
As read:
4:06
